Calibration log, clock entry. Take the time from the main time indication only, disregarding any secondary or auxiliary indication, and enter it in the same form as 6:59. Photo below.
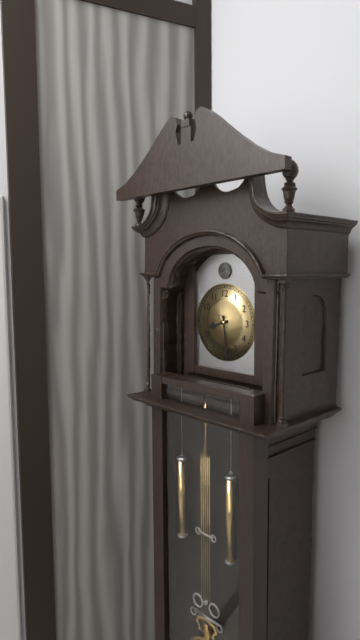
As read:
8:29
